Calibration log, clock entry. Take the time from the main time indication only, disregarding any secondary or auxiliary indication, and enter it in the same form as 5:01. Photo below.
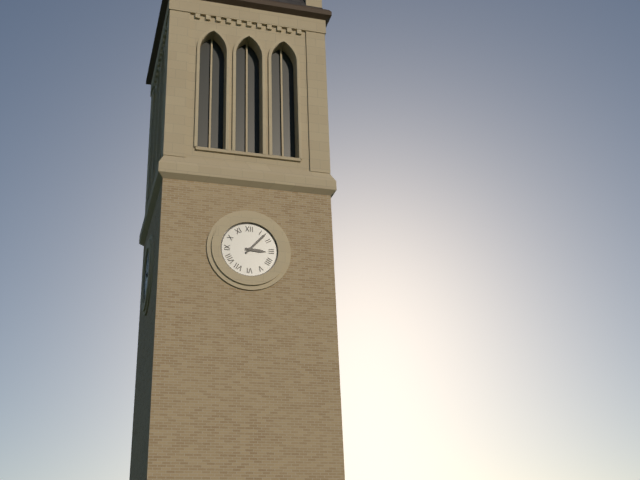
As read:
3:07
